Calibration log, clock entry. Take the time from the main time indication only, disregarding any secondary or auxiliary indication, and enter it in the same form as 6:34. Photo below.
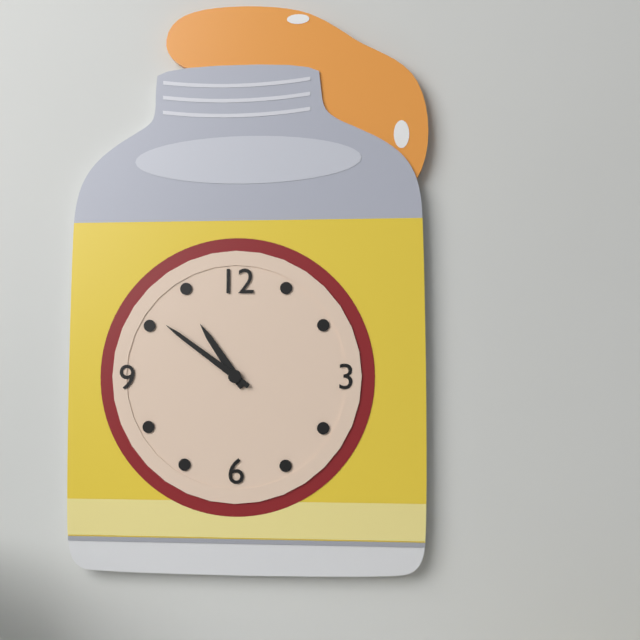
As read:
10:51
